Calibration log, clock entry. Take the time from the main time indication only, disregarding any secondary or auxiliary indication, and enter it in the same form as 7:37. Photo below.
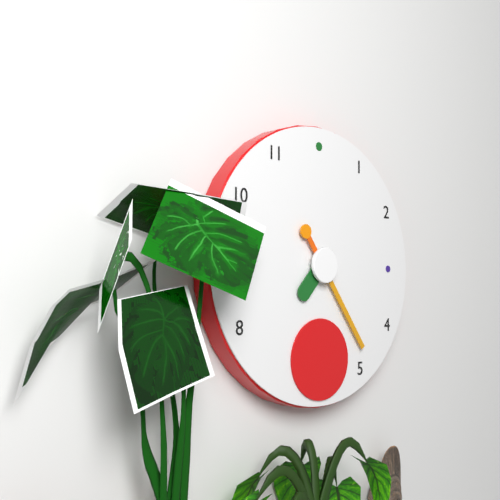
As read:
7:24
